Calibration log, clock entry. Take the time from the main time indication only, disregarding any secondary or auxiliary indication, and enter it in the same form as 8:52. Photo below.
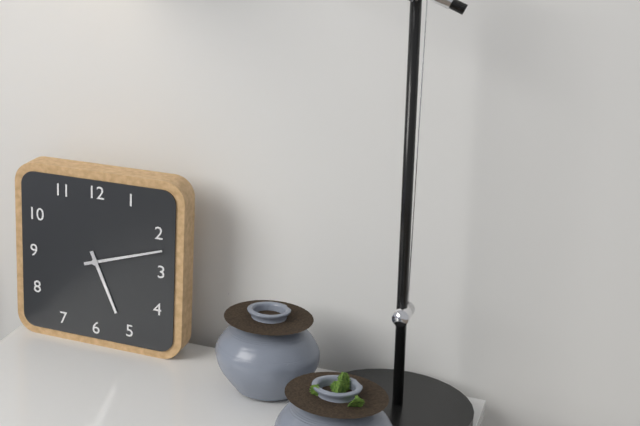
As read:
5:12
